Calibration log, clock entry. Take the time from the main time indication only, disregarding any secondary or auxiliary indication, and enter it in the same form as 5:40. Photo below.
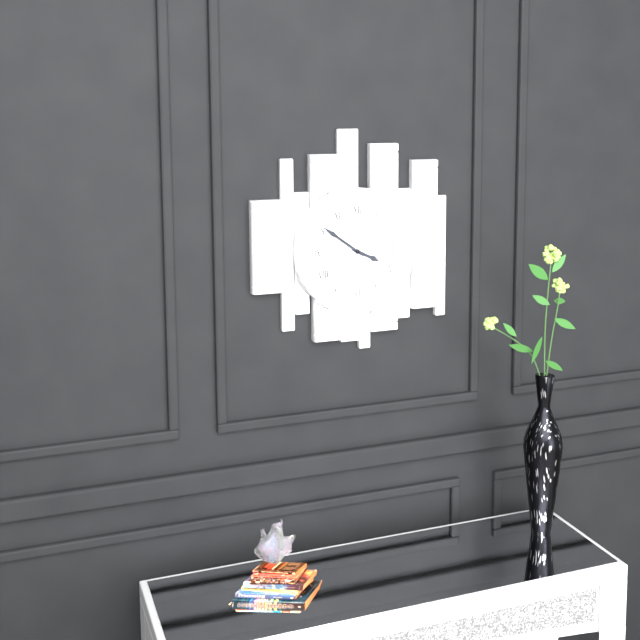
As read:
3:51
